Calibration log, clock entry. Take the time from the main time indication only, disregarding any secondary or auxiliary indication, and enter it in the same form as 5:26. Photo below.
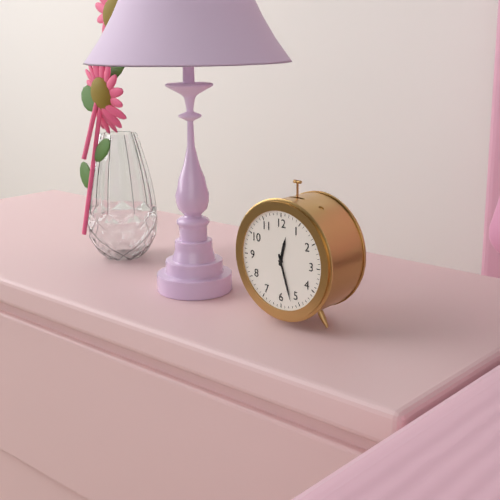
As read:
12:27
